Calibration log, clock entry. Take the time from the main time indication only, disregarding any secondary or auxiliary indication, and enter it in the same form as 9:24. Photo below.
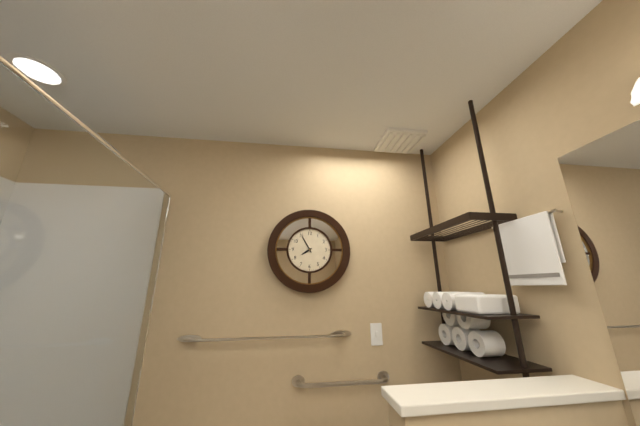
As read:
7:55
